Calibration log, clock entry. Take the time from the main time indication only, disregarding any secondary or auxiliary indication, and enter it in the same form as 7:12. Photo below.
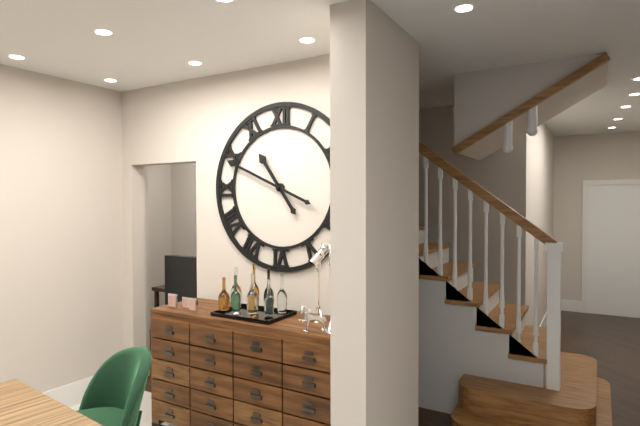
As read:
10:49
